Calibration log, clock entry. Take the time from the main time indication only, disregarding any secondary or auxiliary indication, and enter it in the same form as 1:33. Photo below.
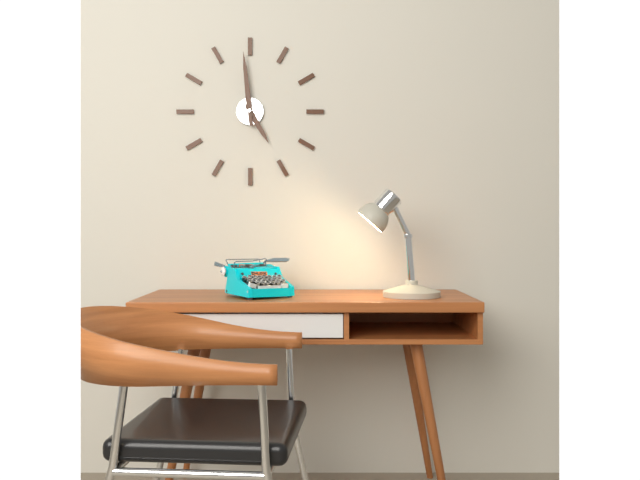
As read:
4:59
